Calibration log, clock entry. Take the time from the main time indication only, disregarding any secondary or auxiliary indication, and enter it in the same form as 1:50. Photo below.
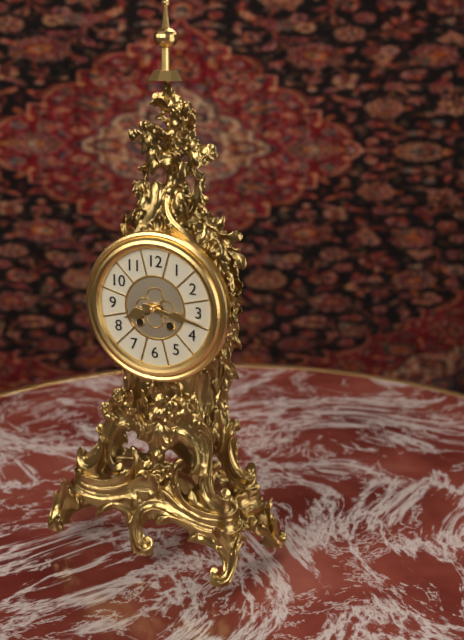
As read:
8:17
